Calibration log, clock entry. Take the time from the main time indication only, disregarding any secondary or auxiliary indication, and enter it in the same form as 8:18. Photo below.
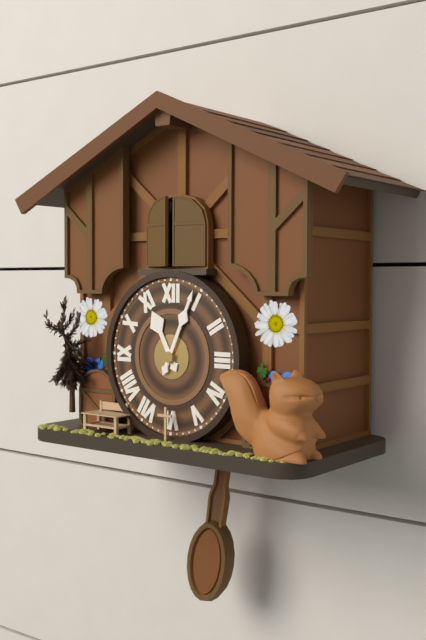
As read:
11:04
